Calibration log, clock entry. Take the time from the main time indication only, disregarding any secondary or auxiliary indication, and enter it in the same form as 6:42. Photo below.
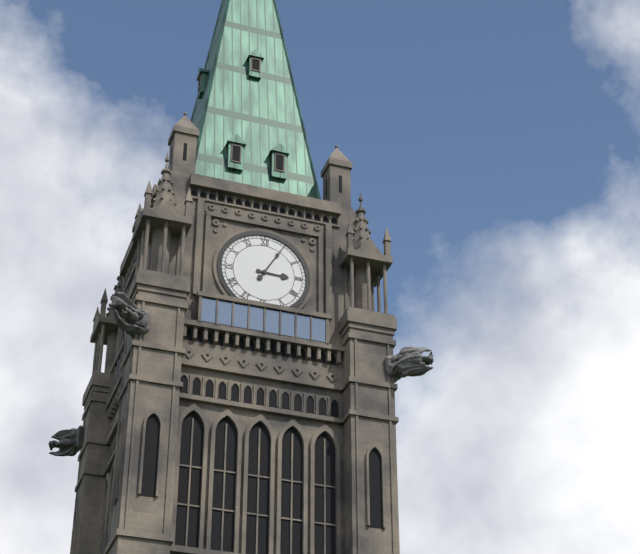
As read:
3:05
